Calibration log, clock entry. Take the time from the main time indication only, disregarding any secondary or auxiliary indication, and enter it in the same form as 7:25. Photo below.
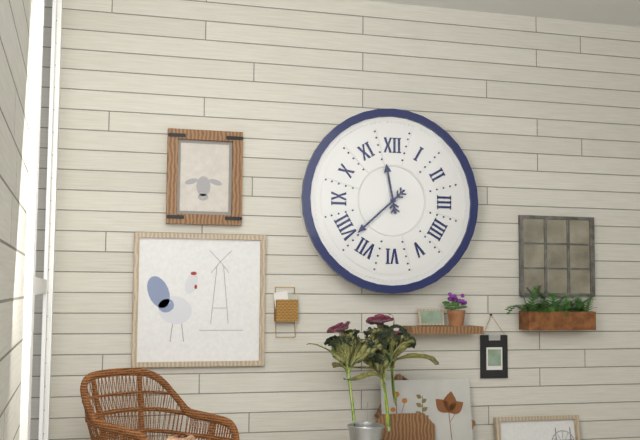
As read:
11:38
